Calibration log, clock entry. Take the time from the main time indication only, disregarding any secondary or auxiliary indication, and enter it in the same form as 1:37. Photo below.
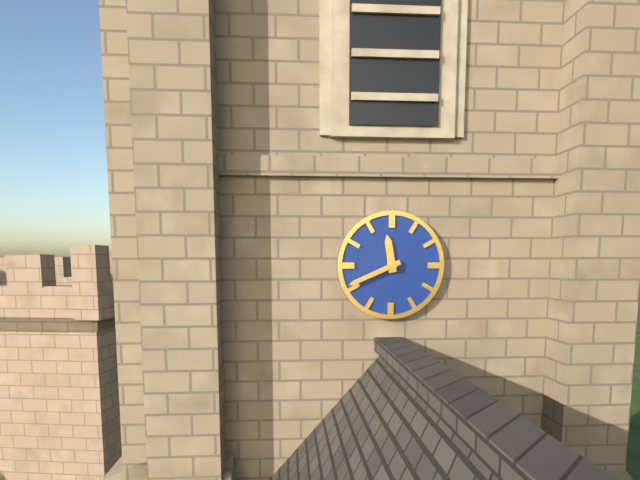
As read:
11:41
